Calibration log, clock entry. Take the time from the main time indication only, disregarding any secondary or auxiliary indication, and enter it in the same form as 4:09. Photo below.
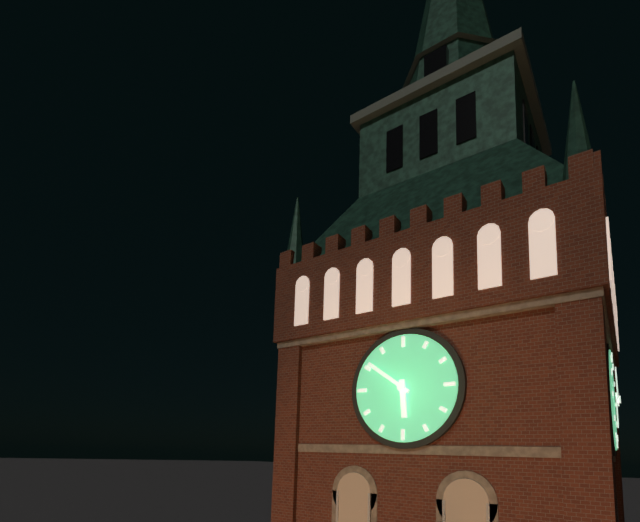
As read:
5:51
